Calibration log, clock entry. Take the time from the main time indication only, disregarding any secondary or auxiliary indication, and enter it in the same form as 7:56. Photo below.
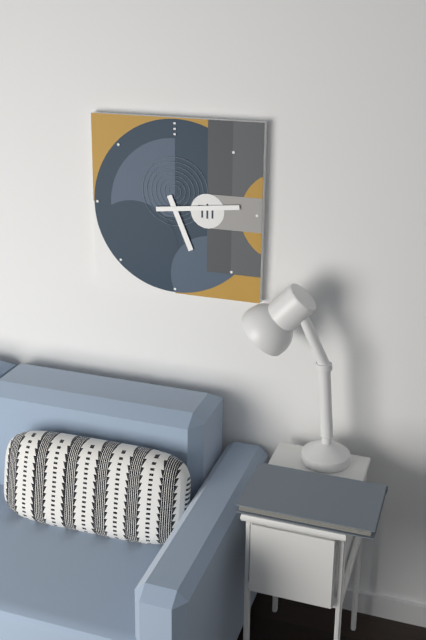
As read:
5:14
